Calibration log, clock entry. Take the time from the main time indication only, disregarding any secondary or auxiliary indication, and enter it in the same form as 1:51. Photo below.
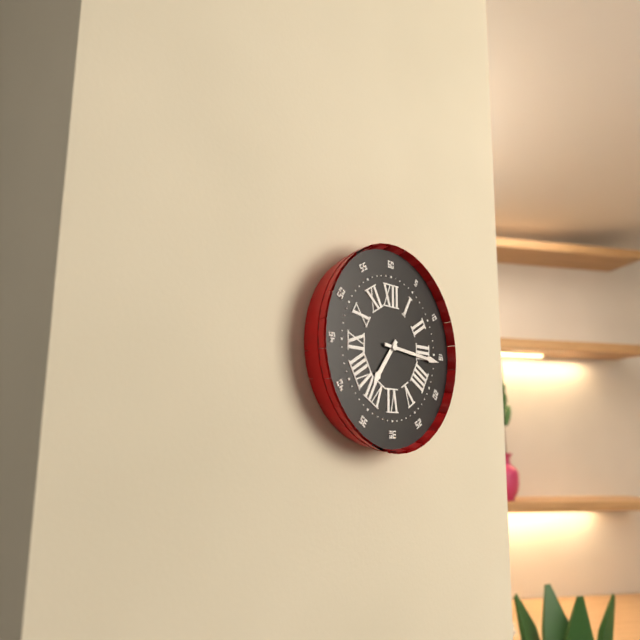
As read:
7:16
